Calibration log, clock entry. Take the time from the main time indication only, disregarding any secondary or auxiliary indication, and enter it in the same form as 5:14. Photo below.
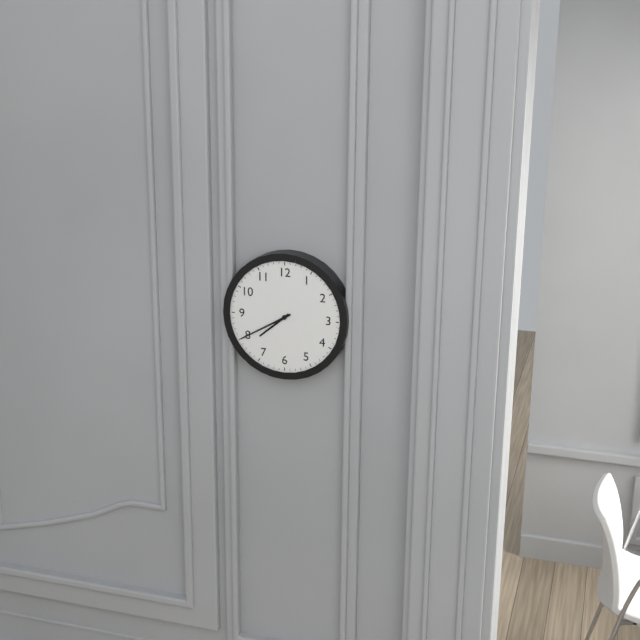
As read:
7:40
